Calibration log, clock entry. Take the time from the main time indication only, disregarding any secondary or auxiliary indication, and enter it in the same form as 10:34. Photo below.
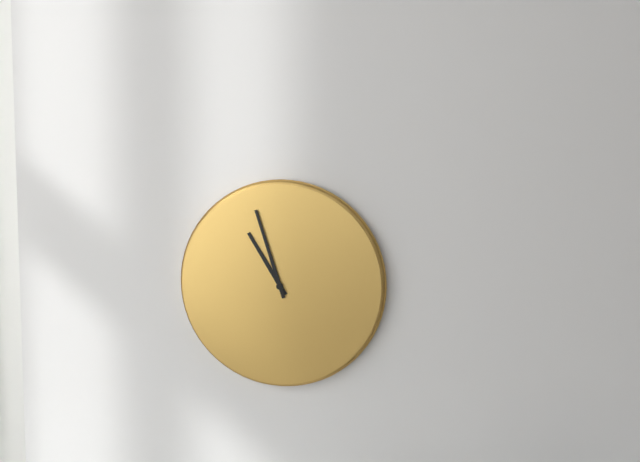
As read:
10:57
